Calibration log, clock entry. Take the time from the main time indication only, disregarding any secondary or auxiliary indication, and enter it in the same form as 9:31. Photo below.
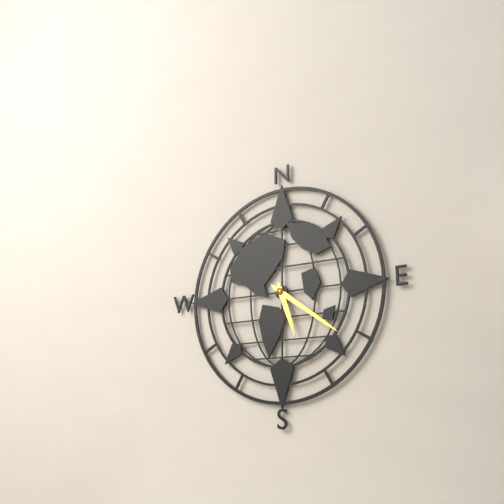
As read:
5:21
